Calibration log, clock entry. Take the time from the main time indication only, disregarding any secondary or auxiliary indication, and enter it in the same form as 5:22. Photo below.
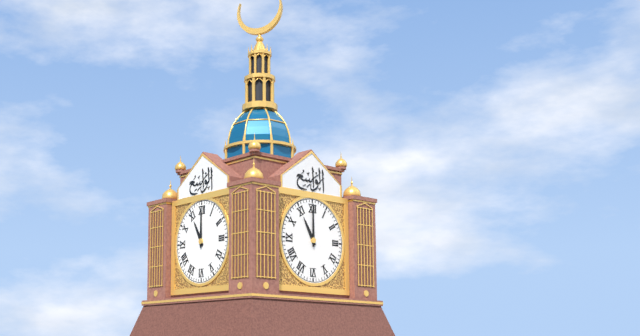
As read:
11:00
